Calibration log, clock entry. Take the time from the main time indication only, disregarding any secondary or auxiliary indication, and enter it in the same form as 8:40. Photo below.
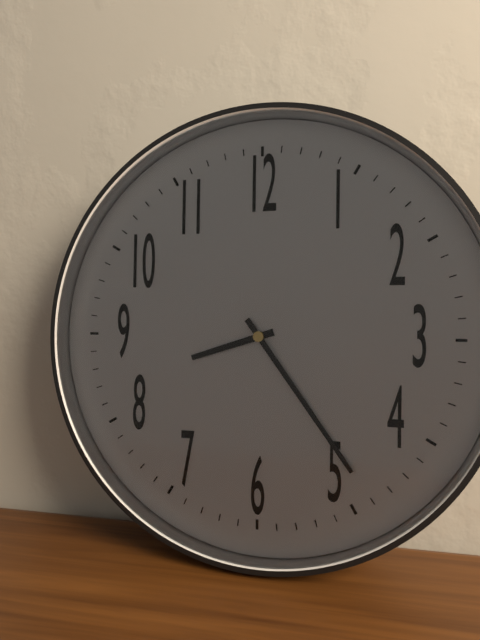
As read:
8:24
